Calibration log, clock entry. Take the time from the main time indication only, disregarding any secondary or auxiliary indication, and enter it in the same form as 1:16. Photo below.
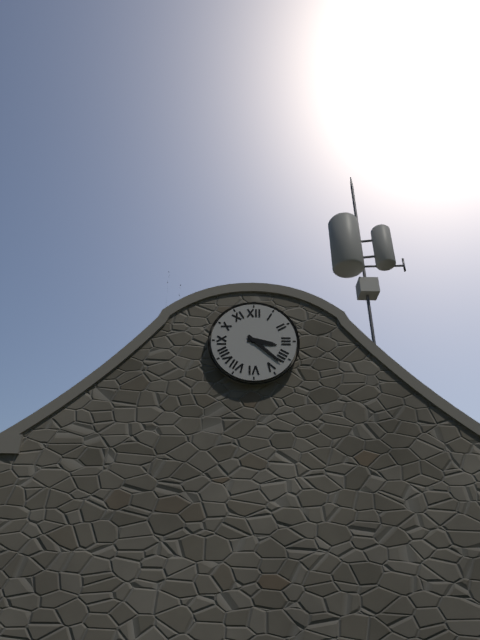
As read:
3:22
